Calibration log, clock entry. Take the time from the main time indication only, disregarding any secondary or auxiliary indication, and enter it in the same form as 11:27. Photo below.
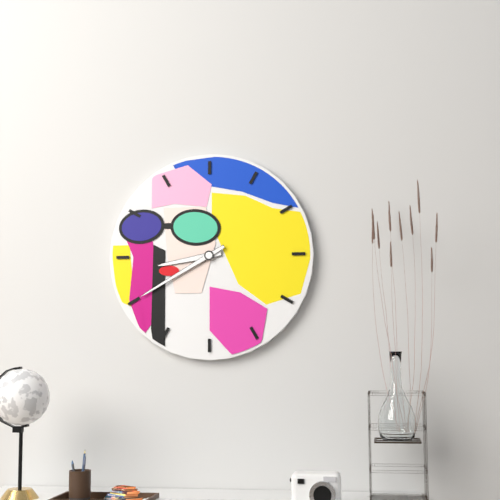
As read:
8:40
